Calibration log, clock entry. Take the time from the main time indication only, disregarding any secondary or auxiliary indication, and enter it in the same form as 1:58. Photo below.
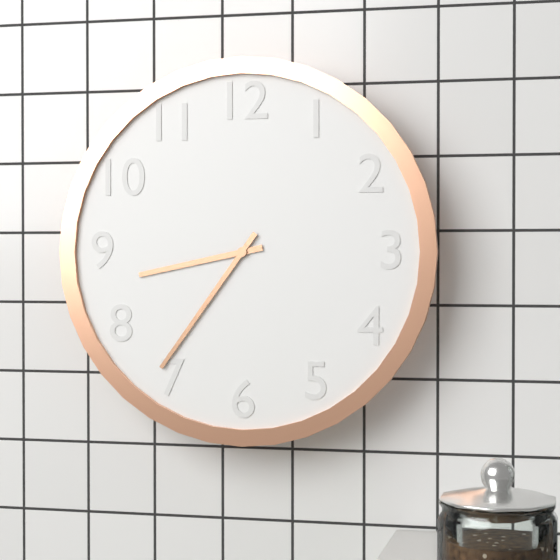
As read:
8:36
